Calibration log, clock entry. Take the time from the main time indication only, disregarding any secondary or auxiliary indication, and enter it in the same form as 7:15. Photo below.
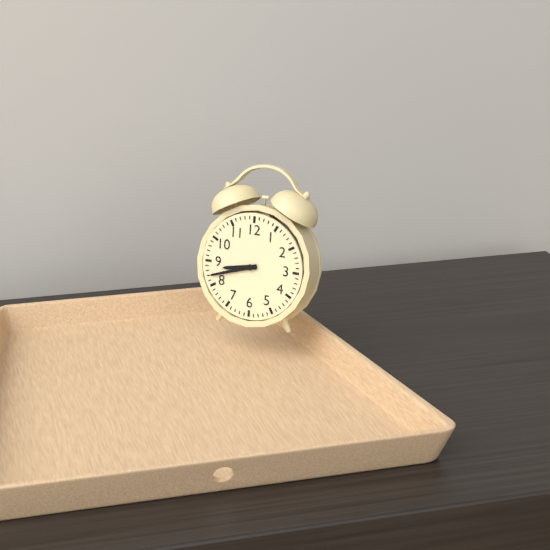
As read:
8:42
